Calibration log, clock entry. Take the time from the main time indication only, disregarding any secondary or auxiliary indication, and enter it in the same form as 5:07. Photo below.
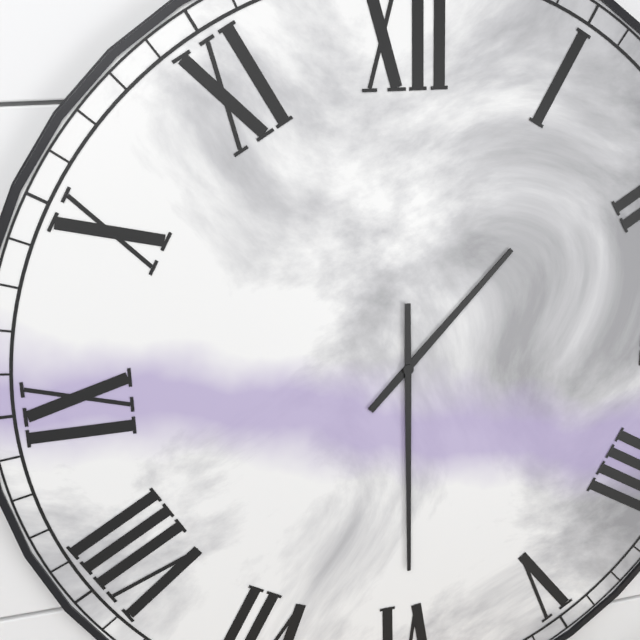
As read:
1:30
